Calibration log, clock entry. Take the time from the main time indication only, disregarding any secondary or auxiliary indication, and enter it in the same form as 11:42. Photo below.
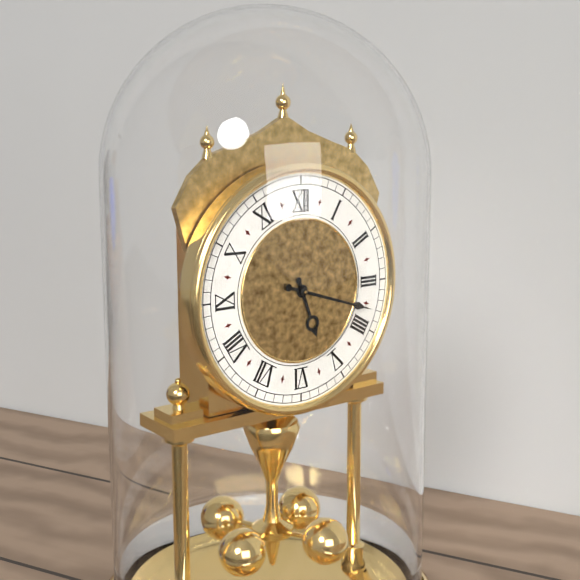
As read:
5:18
